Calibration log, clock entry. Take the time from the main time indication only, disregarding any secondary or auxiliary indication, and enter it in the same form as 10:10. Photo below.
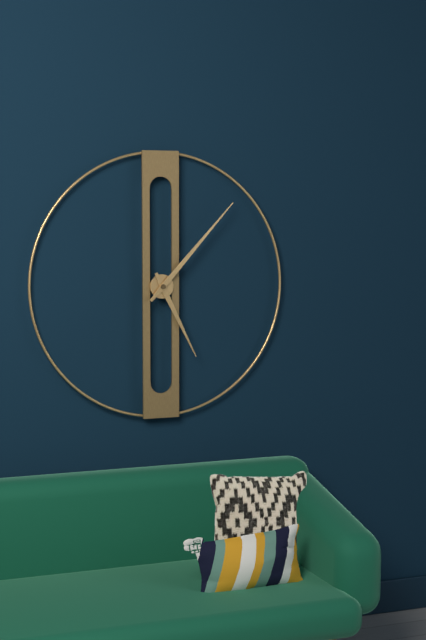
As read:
5:07
